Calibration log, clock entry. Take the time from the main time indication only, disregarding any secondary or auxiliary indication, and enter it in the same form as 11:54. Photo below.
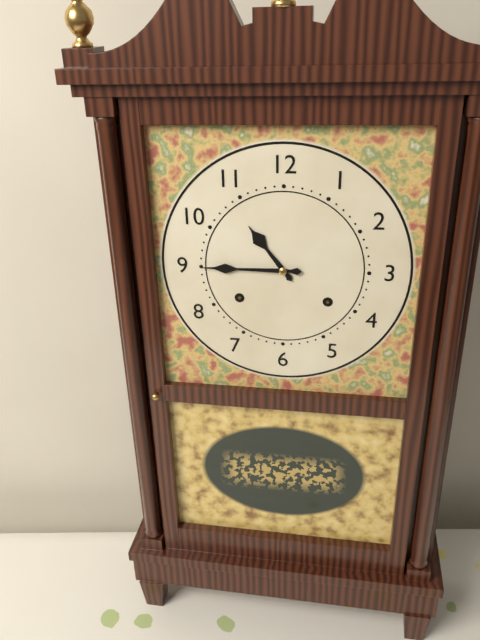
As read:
10:45
